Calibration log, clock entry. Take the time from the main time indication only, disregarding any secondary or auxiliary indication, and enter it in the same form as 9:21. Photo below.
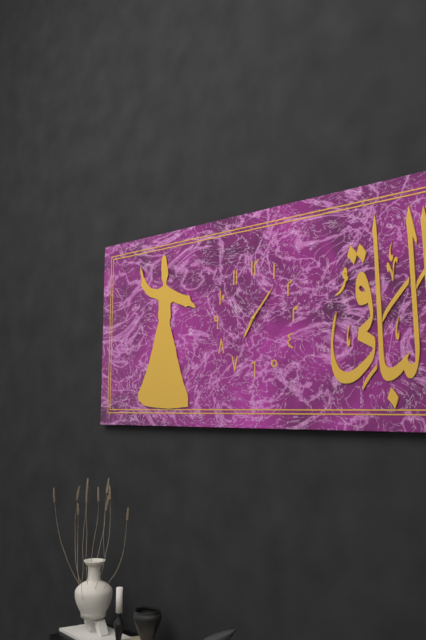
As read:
7:07
